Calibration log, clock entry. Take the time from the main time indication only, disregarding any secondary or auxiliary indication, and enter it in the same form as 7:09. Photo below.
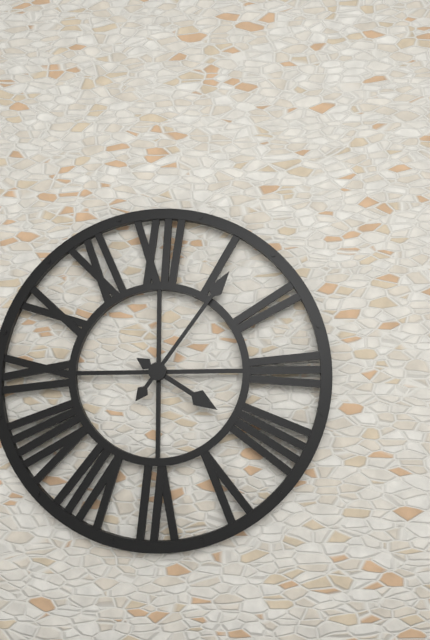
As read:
4:06
